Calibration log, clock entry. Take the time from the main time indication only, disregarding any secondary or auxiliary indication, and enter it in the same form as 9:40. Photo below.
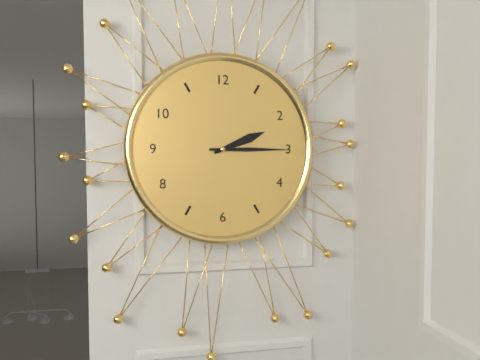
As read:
2:15
